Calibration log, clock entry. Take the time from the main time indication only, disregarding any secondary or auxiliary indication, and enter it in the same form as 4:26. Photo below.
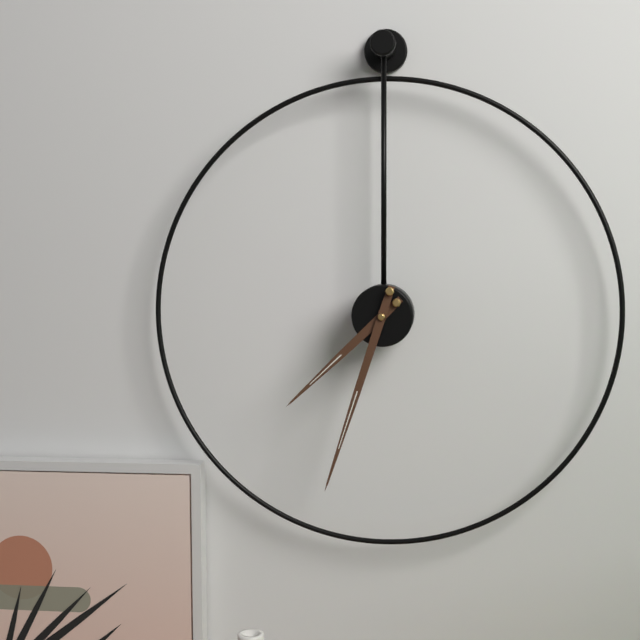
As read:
7:33
